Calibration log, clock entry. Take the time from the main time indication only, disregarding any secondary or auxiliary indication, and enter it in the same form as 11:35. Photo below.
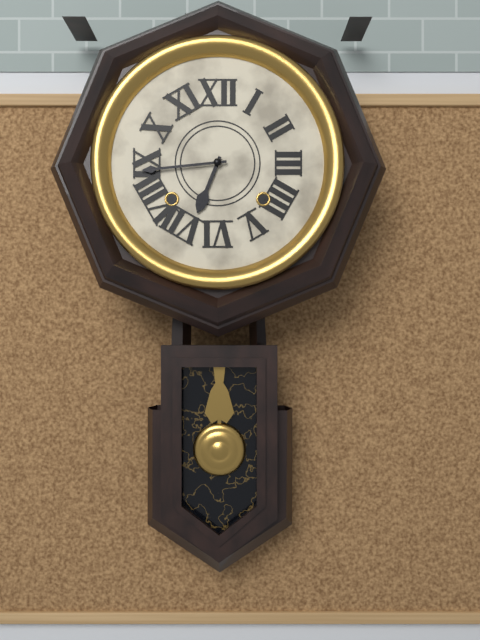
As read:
6:44
